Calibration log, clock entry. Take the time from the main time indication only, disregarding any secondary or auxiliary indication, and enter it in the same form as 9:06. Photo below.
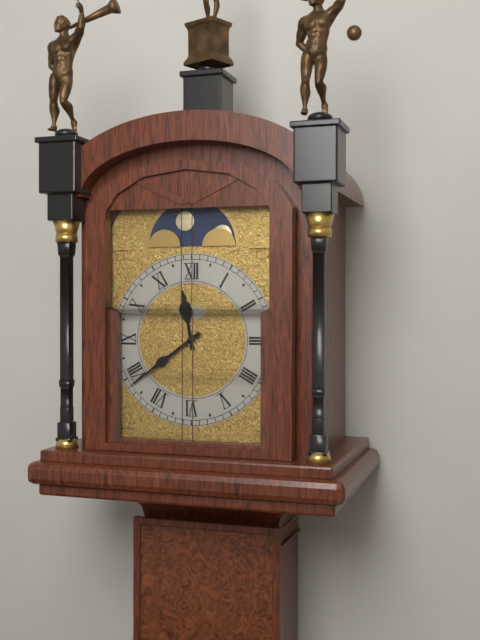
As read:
11:39
